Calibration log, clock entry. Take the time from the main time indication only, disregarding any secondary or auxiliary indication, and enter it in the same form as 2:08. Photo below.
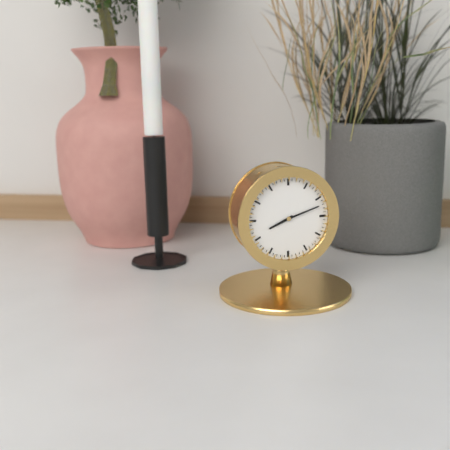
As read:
8:12
